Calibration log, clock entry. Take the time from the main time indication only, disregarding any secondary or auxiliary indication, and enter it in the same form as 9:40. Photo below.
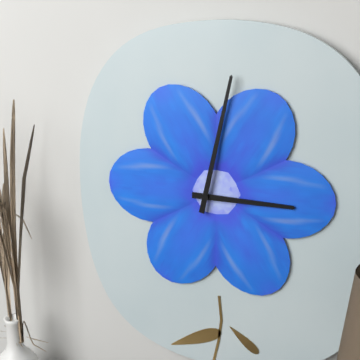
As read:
3:02
